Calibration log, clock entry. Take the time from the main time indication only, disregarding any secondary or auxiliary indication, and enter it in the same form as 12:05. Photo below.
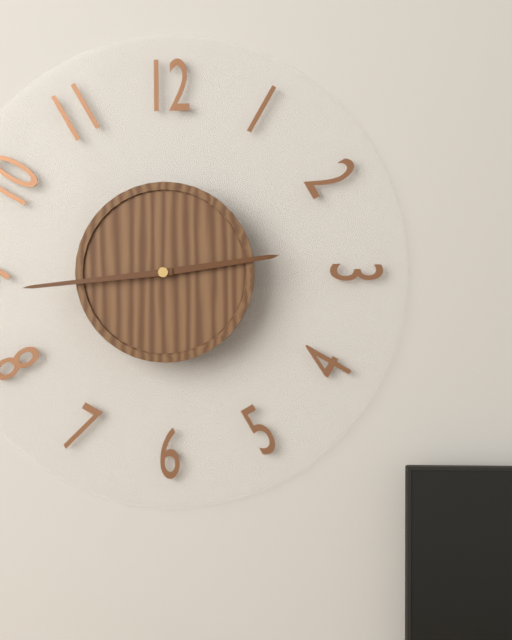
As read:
2:44
